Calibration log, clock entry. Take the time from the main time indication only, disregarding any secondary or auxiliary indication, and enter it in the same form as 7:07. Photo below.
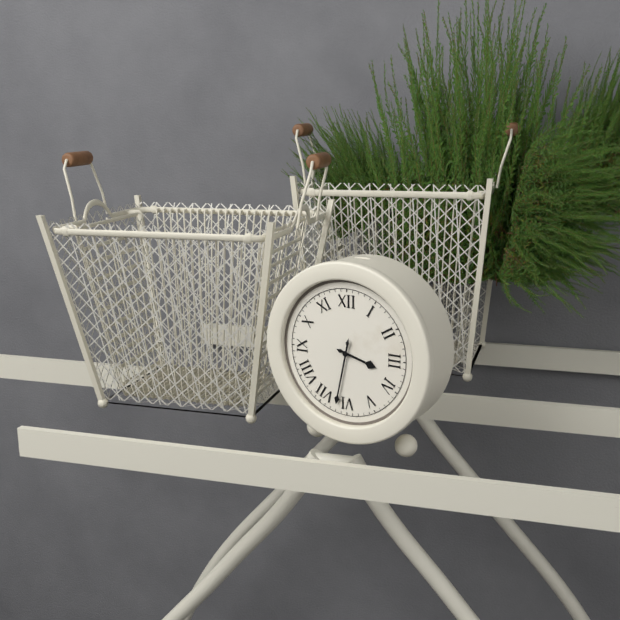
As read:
3:32
